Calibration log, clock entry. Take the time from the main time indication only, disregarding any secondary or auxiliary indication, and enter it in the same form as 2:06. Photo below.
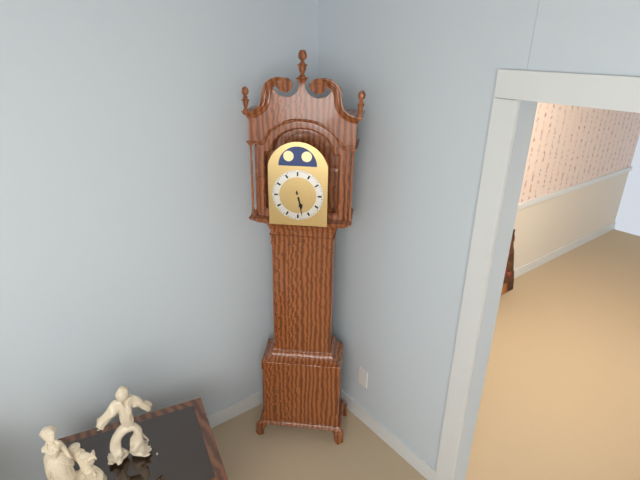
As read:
5:28
